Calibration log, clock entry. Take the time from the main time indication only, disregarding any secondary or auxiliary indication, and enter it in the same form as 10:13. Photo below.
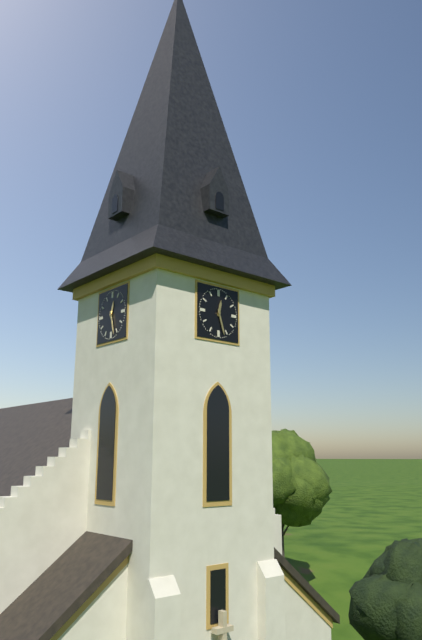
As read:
12:27
